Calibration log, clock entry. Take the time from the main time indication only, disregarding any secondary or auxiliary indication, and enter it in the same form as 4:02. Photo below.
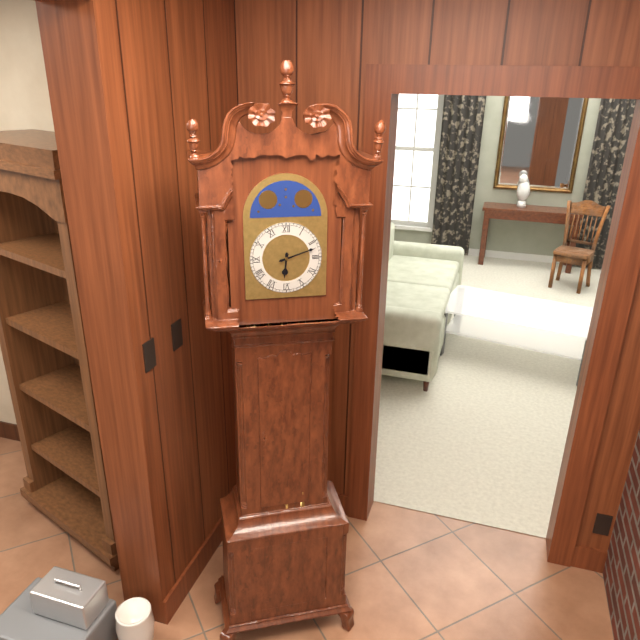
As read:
6:12
